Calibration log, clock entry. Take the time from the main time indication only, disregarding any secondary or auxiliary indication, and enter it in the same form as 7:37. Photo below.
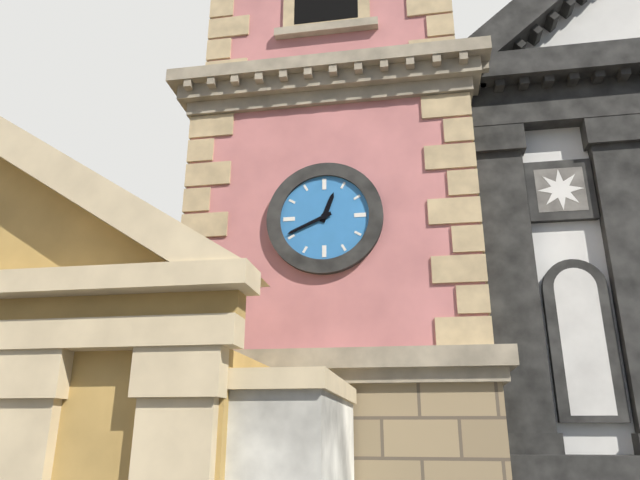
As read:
12:41
